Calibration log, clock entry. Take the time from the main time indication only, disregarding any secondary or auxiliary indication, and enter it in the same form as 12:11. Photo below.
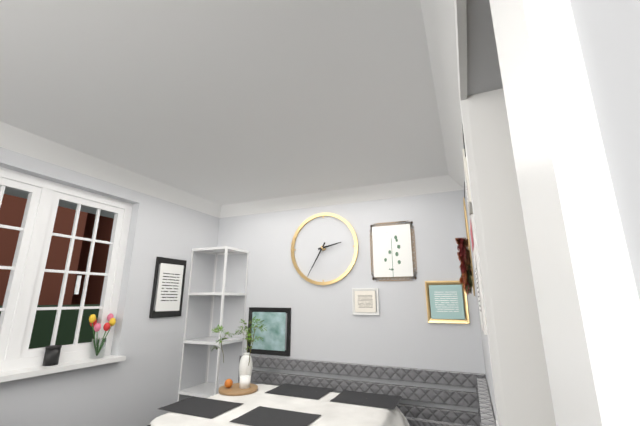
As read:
2:35
